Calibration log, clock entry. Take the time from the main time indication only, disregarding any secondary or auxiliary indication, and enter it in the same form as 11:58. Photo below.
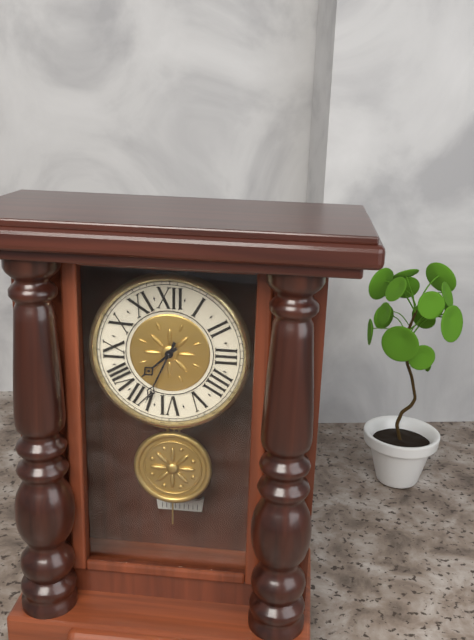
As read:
7:34
